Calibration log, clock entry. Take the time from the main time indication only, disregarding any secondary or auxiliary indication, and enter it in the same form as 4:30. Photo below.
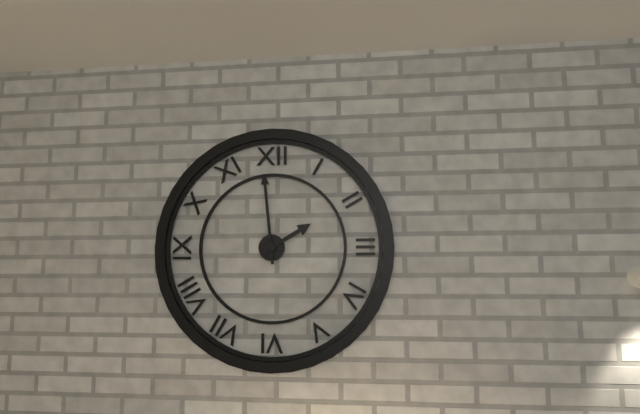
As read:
1:59
